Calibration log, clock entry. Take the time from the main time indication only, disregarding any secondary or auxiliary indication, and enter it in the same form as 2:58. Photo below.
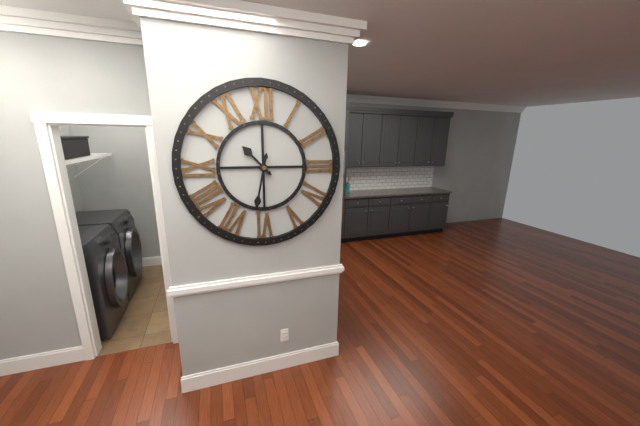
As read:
10:32
